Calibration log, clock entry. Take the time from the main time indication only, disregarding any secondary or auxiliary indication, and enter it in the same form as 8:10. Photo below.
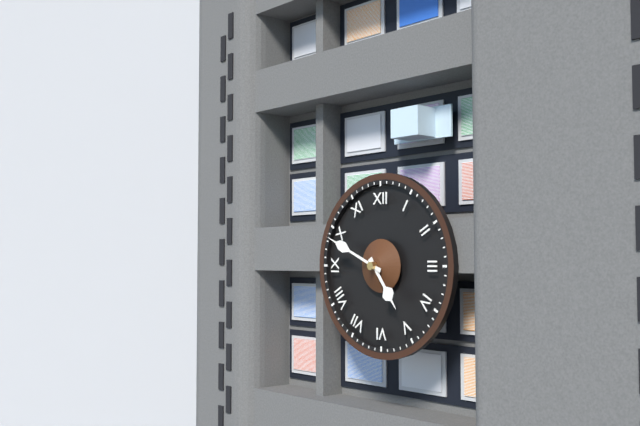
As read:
4:49
